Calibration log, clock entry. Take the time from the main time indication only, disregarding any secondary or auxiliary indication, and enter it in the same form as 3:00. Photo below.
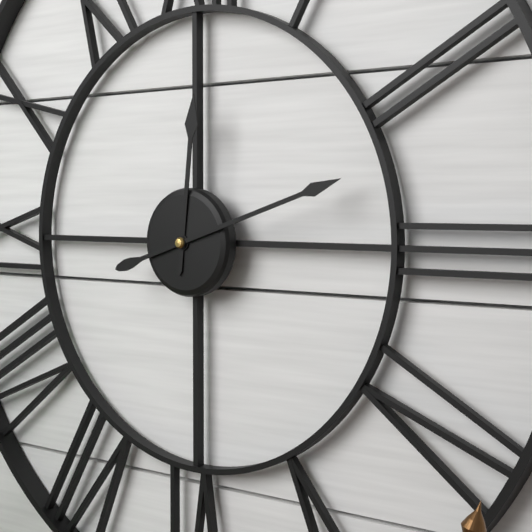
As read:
12:12
